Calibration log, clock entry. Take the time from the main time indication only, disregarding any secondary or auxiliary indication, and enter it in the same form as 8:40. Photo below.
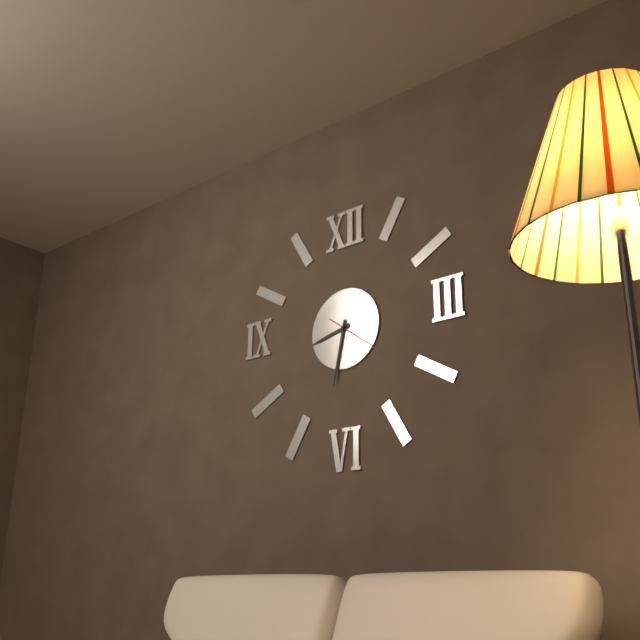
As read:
8:32
